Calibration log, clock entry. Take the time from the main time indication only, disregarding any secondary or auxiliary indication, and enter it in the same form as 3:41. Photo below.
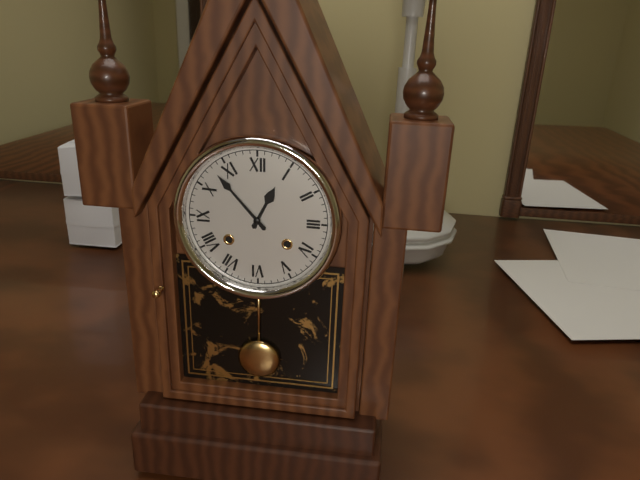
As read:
12:53
